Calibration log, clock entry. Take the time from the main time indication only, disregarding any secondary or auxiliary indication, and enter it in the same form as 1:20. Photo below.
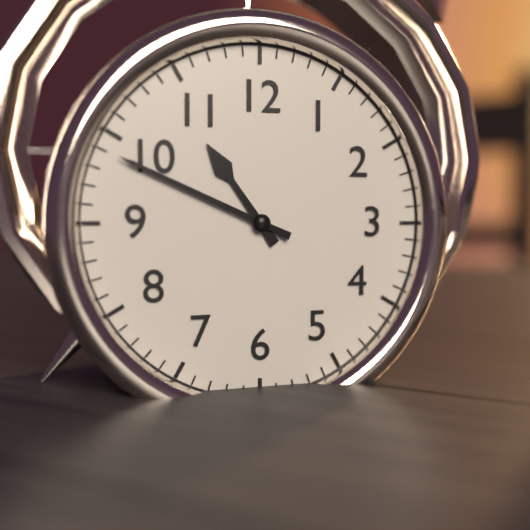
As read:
10:49
